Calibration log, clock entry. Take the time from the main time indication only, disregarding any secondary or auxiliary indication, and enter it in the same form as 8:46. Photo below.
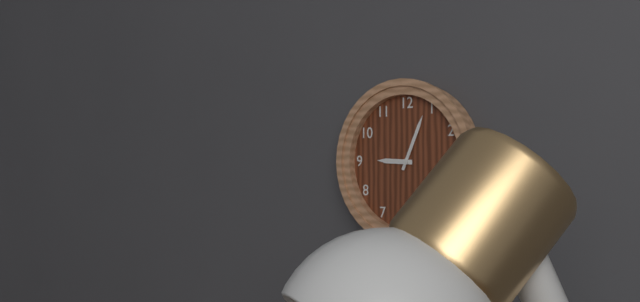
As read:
9:04
